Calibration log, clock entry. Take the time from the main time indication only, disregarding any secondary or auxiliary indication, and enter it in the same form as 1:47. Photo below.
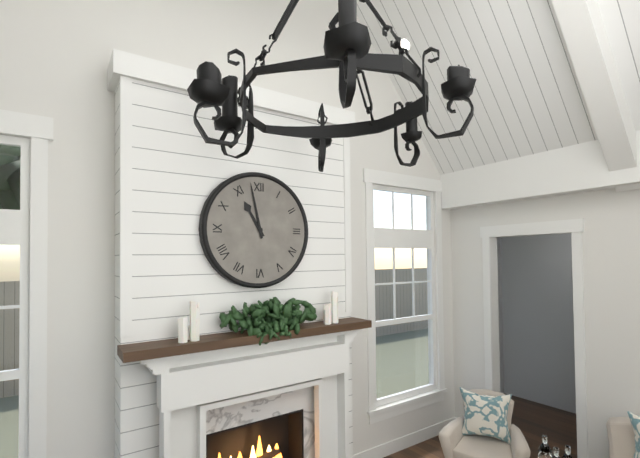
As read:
10:58
